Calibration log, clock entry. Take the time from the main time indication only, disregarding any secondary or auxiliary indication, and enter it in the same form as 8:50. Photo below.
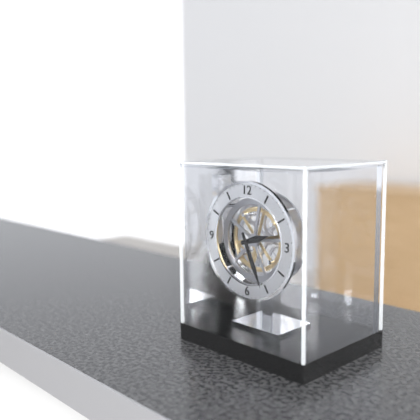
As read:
2:26
